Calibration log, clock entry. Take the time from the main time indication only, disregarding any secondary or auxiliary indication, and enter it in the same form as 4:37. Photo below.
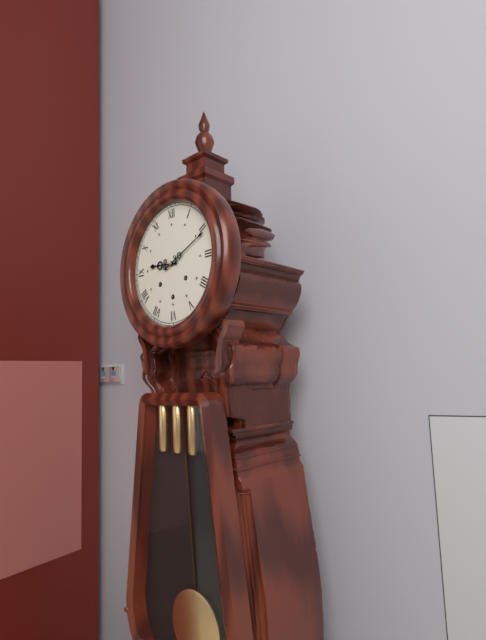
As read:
9:11
